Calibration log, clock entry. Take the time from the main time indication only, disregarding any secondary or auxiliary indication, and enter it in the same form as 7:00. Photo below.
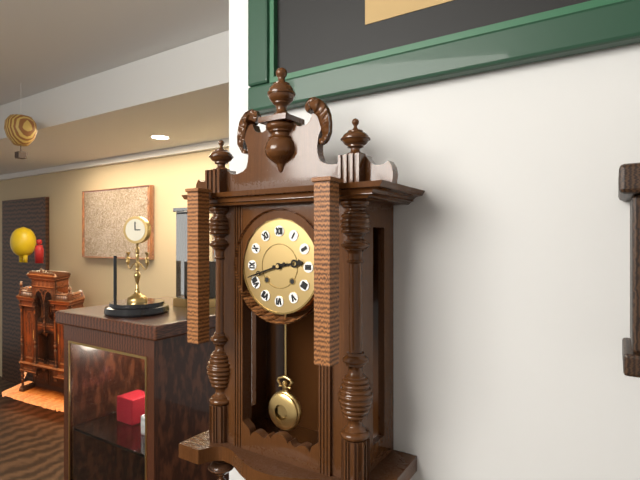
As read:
2:42
